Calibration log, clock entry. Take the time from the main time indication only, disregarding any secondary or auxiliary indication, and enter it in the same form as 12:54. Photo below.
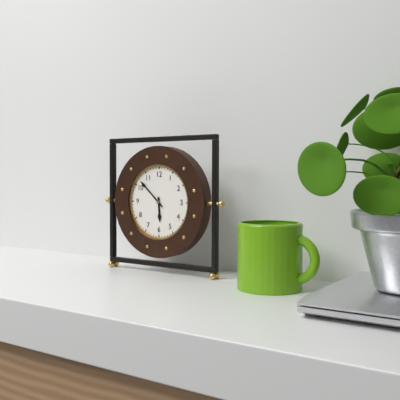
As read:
5:52
